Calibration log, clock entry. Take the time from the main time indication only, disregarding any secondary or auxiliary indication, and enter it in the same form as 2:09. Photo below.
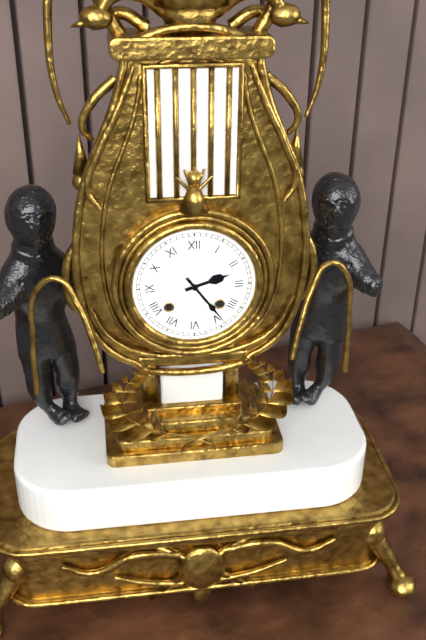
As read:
2:24
